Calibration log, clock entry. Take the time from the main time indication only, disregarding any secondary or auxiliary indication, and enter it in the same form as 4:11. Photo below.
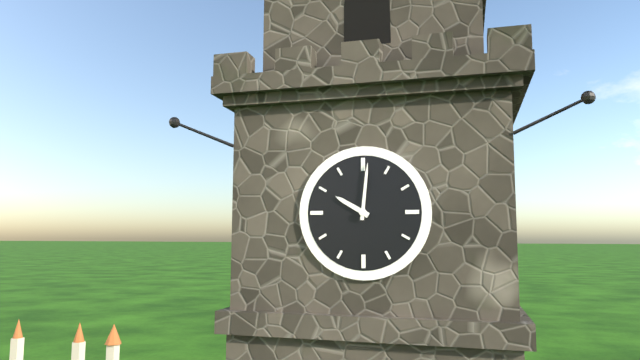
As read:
10:01
